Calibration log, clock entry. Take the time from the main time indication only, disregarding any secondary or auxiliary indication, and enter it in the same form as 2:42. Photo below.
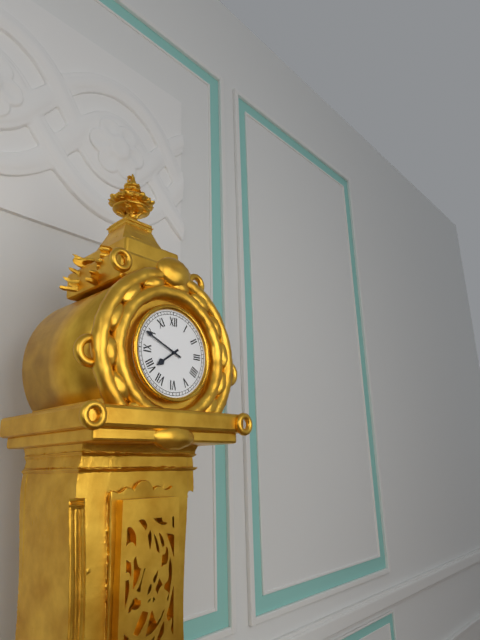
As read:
7:49
